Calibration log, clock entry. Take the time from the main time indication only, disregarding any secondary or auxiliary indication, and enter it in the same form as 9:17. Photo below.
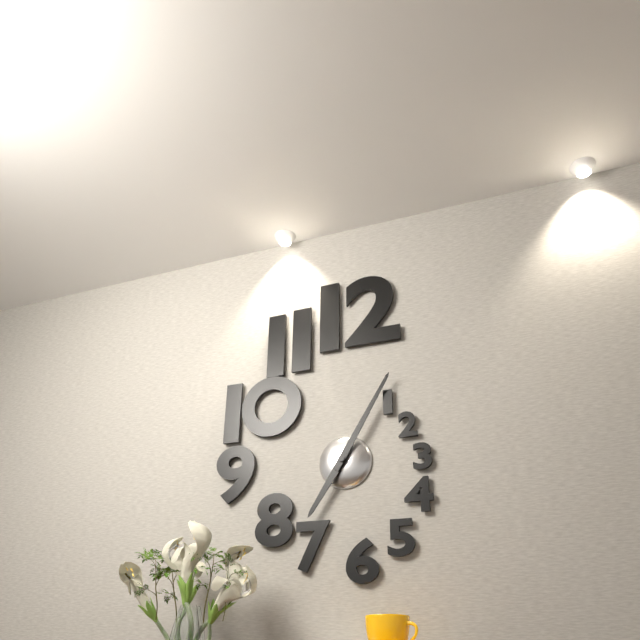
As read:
7:05
